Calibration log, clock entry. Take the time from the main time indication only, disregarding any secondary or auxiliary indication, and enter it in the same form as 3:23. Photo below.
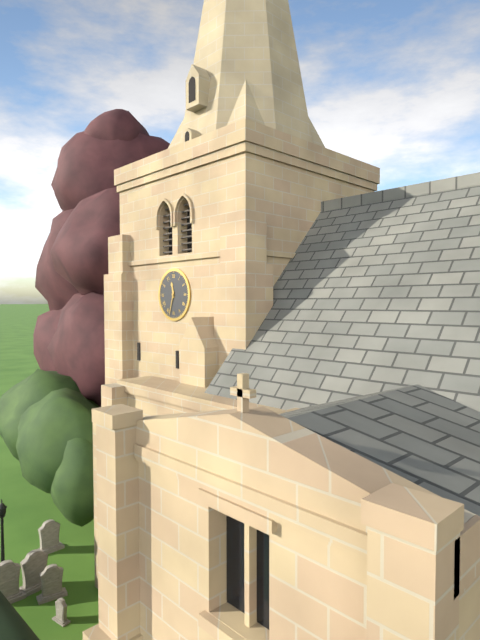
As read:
11:33
